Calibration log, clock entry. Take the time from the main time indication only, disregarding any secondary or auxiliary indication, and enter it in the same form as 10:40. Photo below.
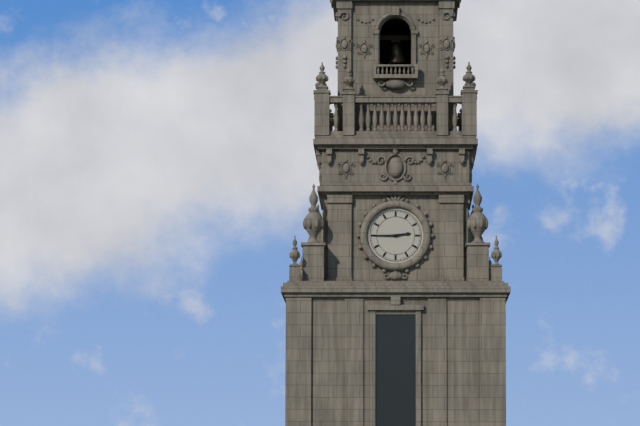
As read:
2:45
